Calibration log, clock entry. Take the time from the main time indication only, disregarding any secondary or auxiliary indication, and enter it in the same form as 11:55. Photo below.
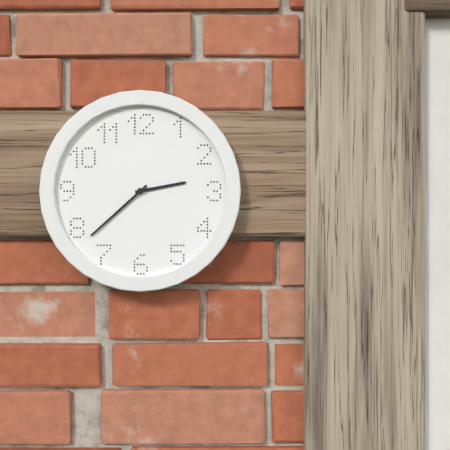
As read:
2:38
